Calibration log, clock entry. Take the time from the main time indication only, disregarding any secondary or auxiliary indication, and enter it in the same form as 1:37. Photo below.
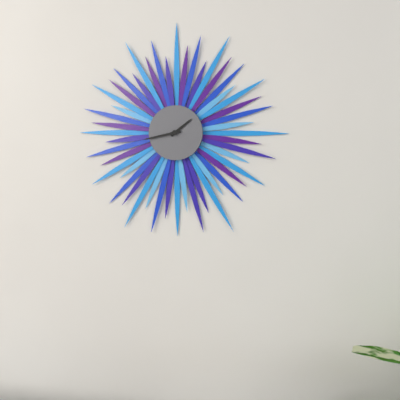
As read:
1:43
